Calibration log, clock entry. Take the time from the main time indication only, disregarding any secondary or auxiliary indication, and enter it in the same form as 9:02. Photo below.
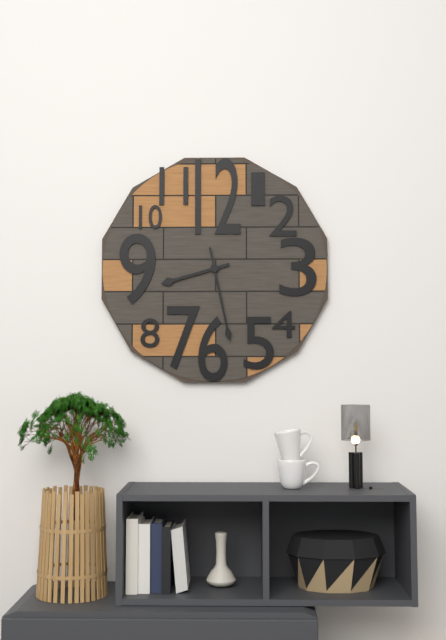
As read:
8:28
